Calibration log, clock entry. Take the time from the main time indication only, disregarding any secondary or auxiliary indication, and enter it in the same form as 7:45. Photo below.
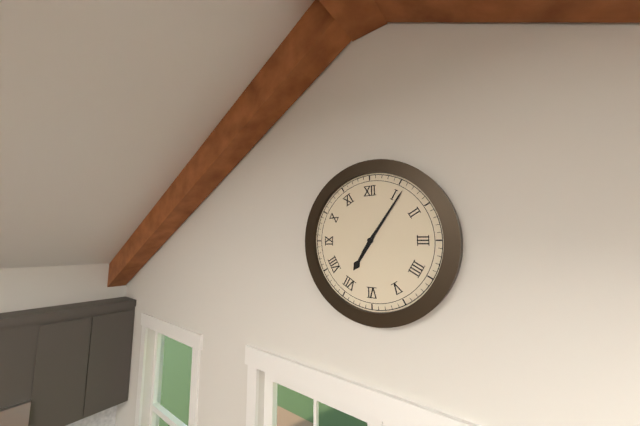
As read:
7:06
